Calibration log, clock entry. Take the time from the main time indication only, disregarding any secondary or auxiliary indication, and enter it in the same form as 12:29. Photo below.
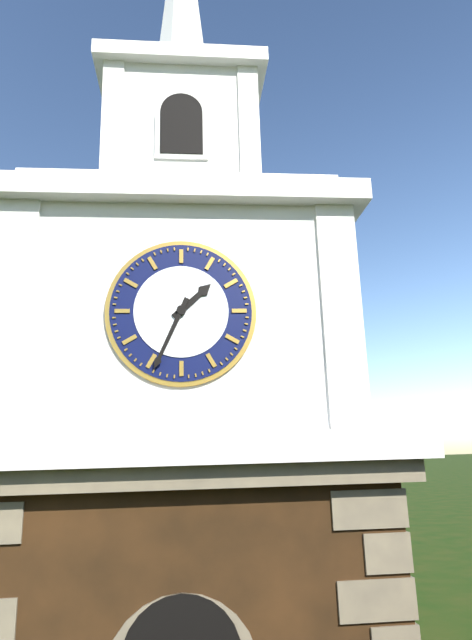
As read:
1:34
